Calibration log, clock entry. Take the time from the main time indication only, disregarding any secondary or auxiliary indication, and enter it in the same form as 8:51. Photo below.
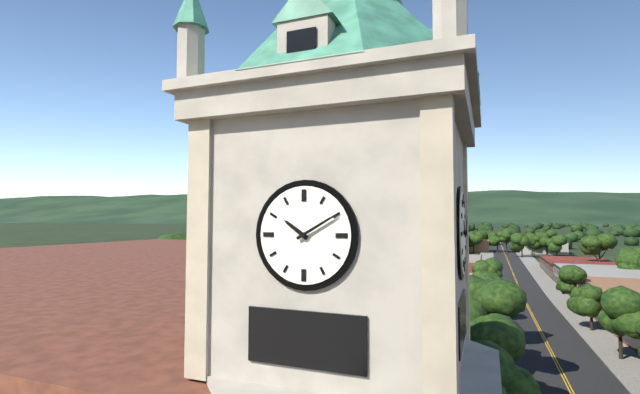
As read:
10:10
